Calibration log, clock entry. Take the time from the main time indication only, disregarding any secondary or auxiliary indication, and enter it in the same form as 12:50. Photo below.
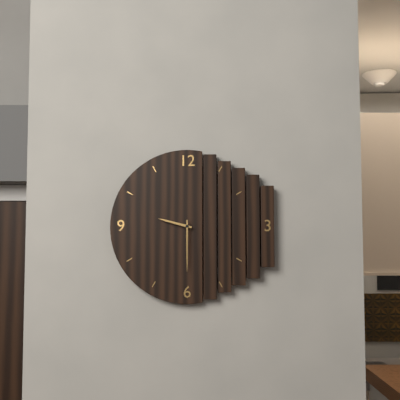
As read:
9:30
